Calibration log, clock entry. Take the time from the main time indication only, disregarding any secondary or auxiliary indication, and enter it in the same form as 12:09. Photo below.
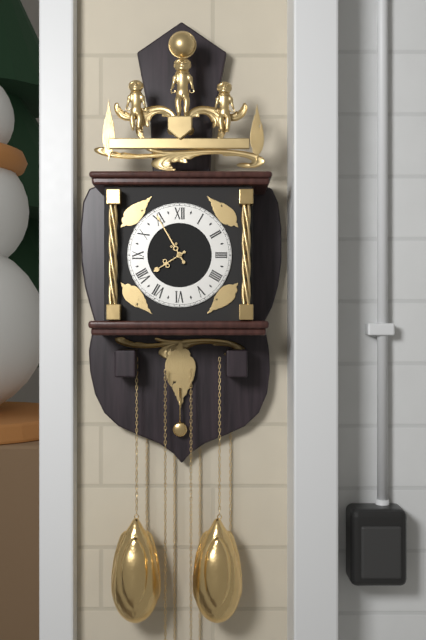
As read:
7:55
